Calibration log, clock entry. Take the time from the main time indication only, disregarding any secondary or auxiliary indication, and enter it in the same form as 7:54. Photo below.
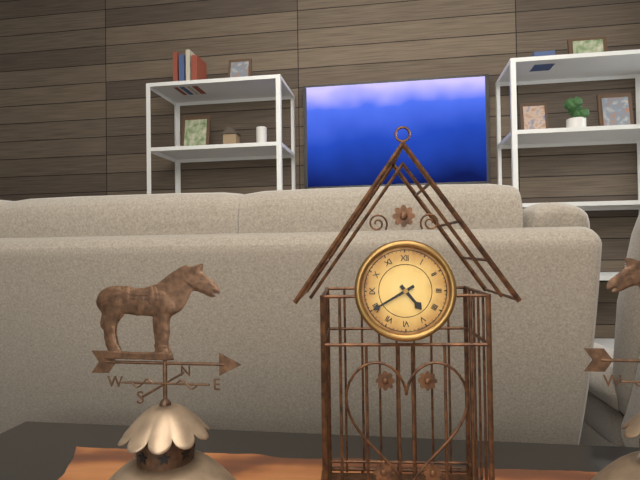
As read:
4:40
